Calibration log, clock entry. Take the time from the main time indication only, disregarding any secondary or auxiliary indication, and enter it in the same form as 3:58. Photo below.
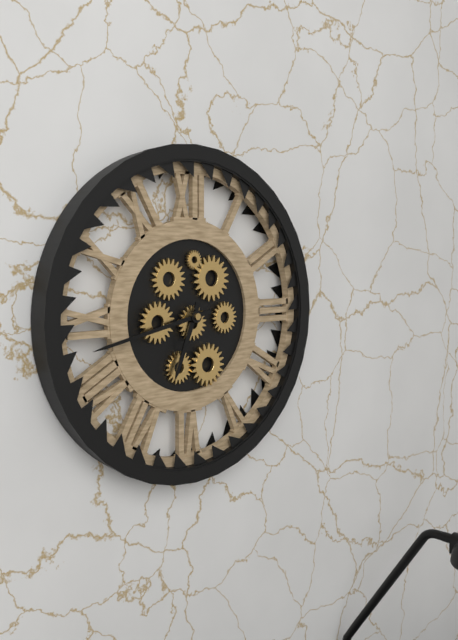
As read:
6:43
